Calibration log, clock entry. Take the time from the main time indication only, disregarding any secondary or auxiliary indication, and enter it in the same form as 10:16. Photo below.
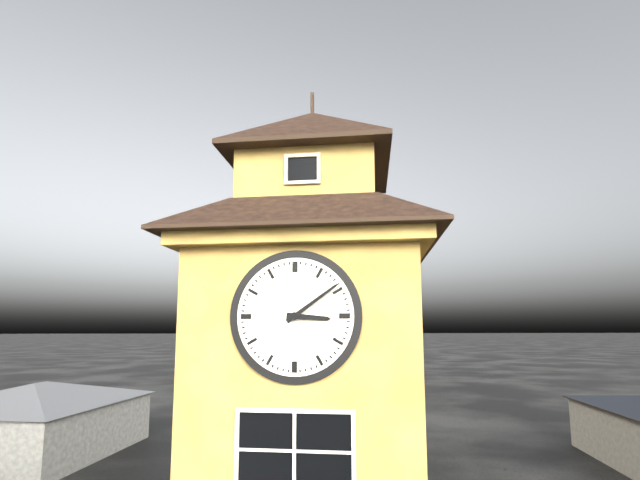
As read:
3:09
